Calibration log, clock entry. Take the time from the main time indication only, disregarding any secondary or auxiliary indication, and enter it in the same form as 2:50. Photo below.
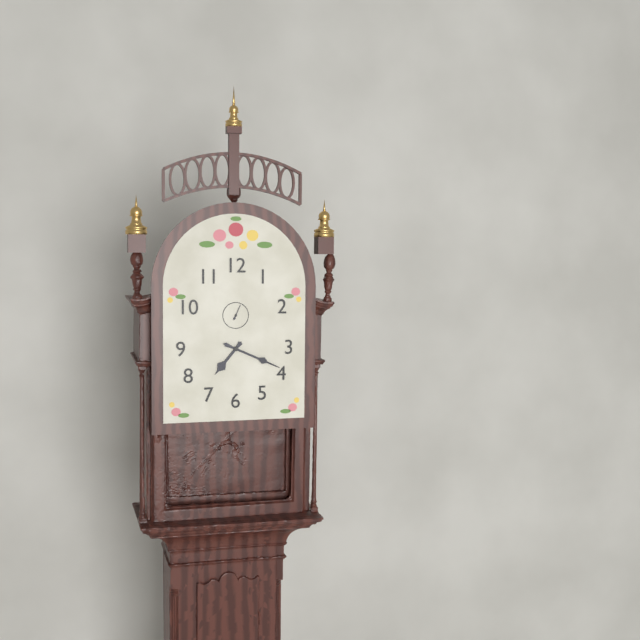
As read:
7:19
